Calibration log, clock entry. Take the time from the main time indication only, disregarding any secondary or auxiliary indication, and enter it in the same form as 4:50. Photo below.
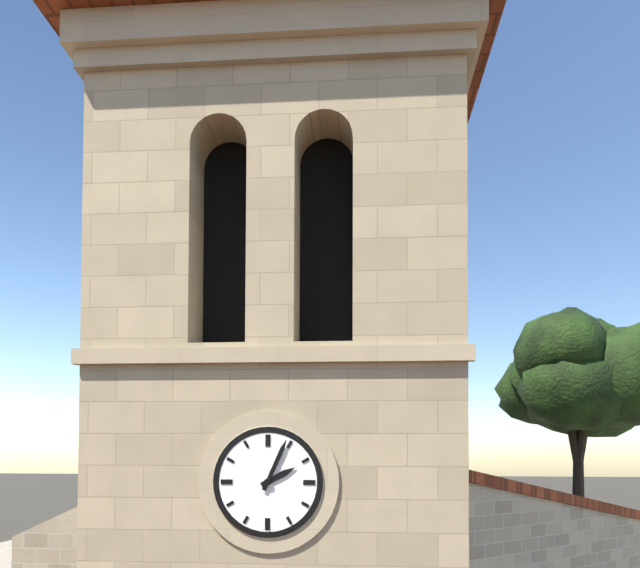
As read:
2:04
